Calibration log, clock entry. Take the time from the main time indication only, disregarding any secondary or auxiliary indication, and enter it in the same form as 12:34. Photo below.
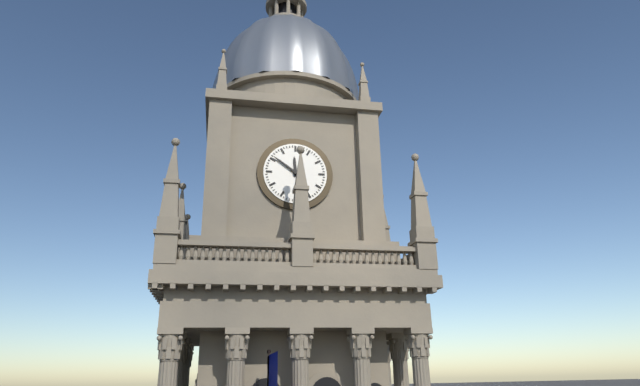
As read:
11:51
